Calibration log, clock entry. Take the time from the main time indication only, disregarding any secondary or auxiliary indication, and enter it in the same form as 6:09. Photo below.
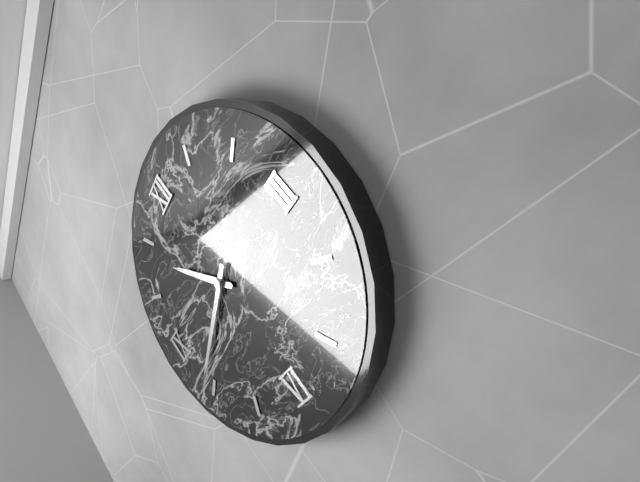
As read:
10:41
